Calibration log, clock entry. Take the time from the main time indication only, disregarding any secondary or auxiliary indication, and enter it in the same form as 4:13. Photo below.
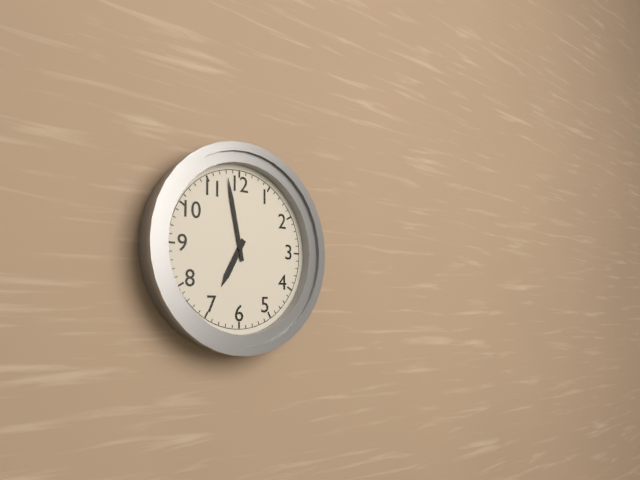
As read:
6:58
